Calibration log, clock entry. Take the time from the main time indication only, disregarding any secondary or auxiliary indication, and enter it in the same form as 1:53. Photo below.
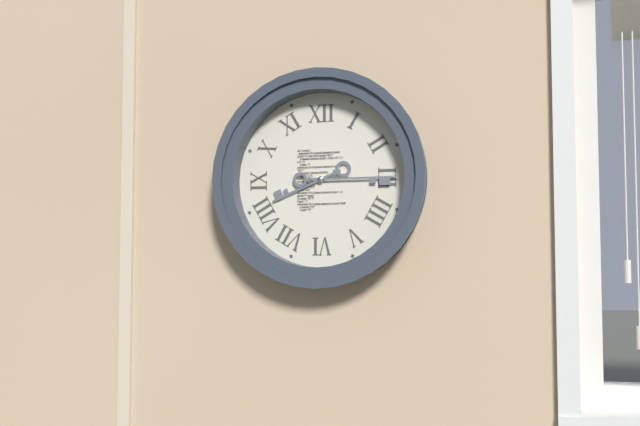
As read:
8:15
